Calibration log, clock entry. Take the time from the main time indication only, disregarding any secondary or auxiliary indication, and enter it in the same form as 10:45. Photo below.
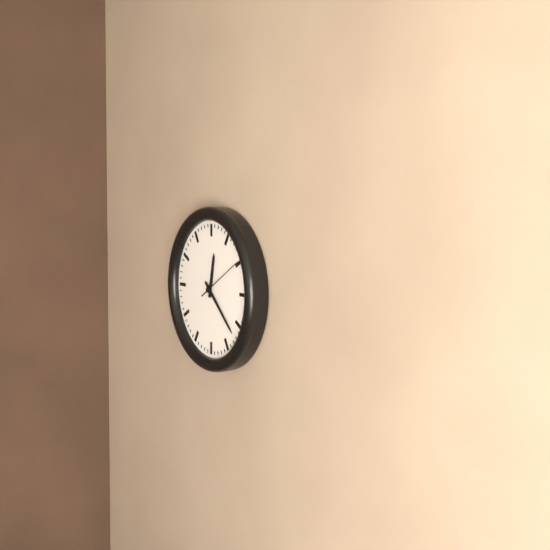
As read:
12:22
